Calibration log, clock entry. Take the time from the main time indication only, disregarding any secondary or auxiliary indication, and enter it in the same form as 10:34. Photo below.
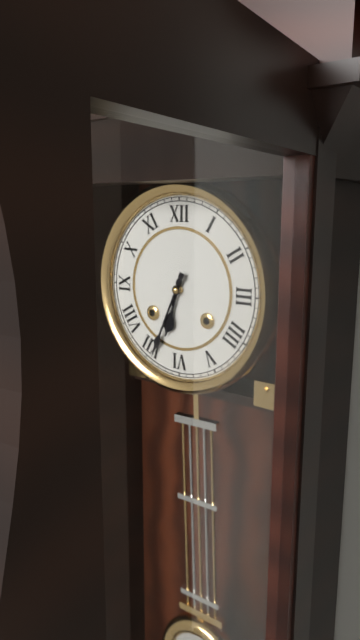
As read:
6:34
